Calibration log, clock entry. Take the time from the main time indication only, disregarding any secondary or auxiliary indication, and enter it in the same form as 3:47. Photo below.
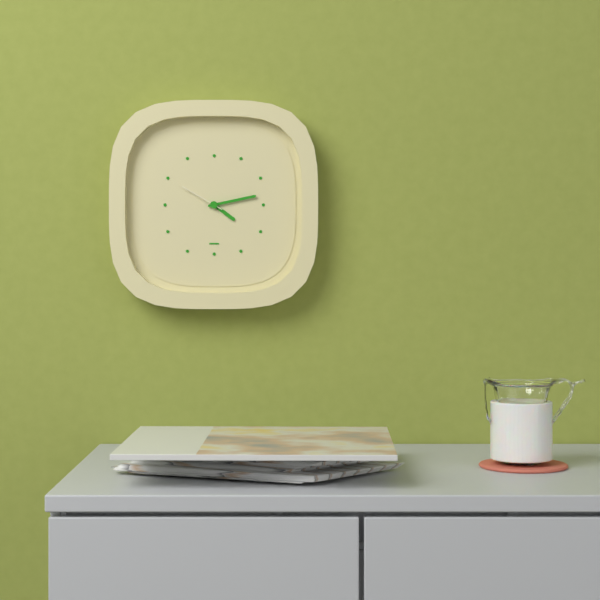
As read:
4:13
